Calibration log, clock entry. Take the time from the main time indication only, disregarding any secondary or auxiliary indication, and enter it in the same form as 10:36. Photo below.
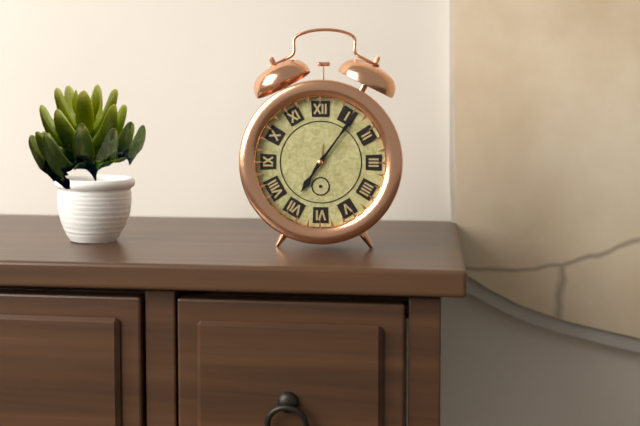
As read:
7:06
